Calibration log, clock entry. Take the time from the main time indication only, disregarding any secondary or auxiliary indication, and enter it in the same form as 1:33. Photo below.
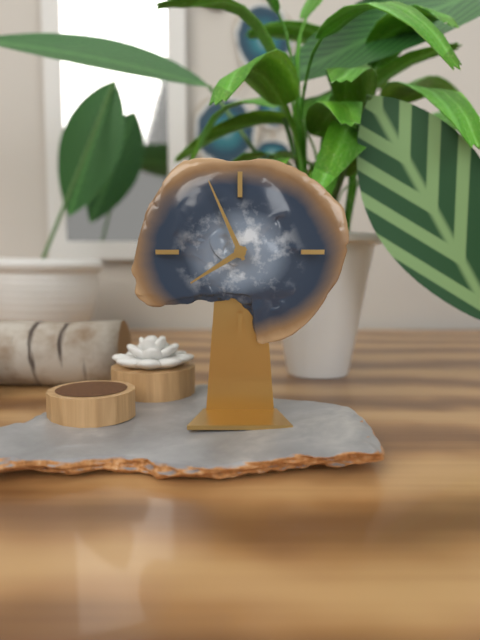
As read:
7:56
